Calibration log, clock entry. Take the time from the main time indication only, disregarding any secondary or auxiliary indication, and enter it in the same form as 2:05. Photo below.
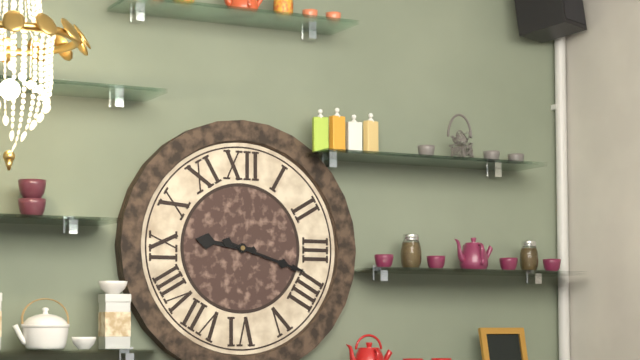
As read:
9:18
